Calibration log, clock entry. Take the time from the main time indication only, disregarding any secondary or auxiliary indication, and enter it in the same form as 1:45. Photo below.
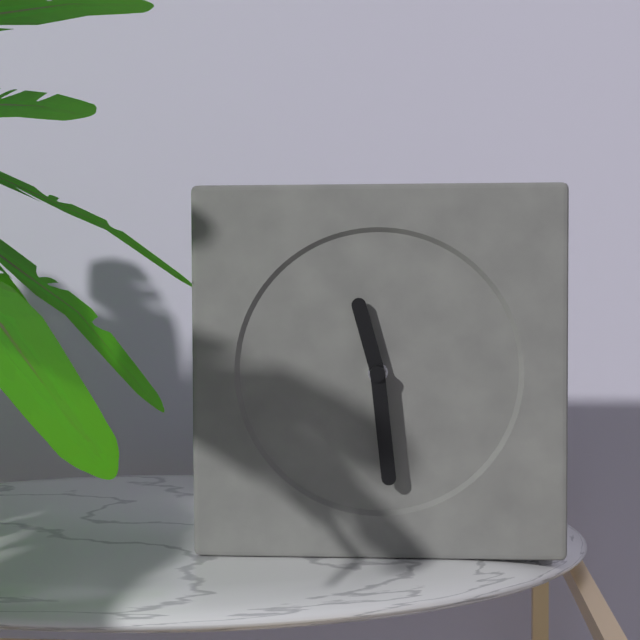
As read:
11:29
